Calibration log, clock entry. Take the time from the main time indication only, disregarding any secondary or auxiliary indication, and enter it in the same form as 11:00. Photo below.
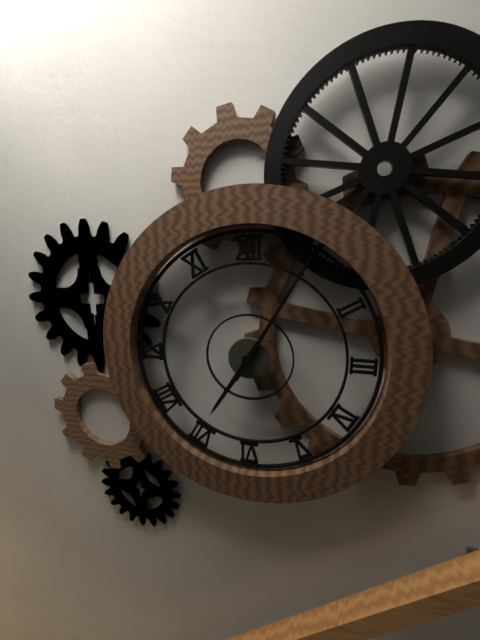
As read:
7:05
